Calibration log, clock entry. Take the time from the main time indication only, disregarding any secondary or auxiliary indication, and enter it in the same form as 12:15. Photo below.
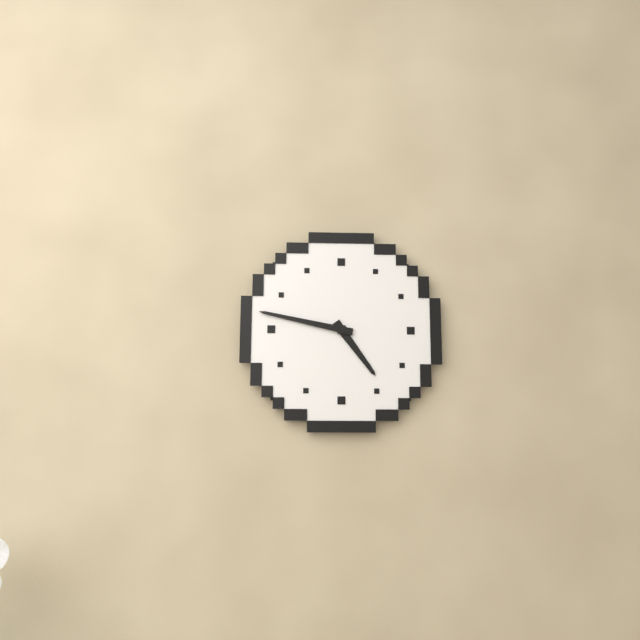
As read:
4:47
